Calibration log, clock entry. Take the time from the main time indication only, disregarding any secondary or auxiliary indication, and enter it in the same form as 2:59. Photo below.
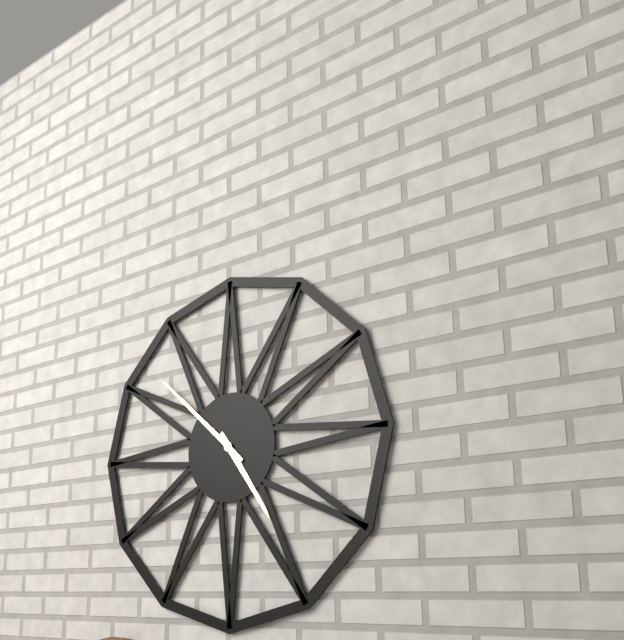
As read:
4:52
